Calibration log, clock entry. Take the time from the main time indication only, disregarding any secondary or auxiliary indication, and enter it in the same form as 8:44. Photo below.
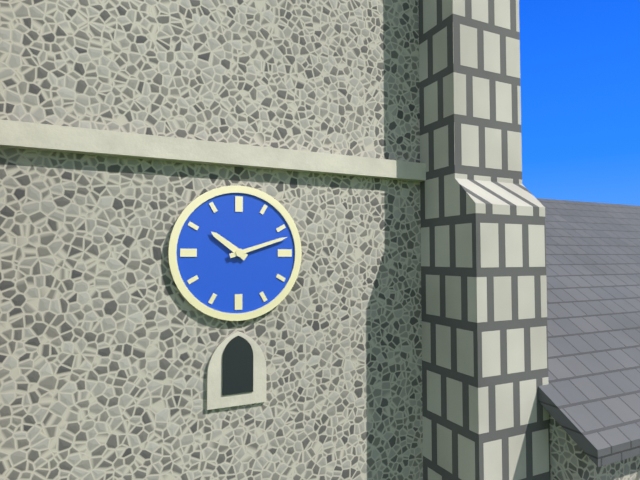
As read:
10:12
